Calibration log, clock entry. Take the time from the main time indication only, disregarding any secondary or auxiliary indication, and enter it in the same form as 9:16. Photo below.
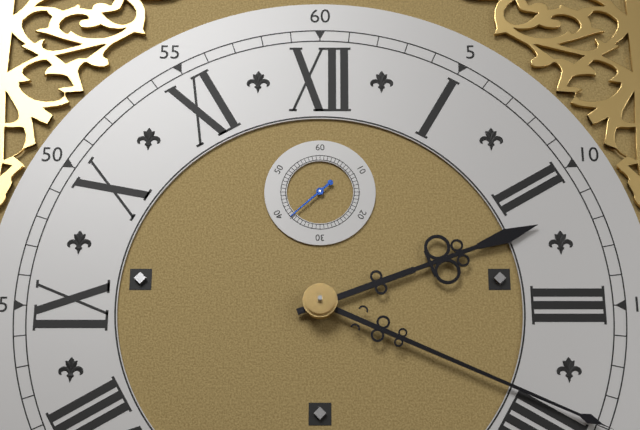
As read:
2:19
